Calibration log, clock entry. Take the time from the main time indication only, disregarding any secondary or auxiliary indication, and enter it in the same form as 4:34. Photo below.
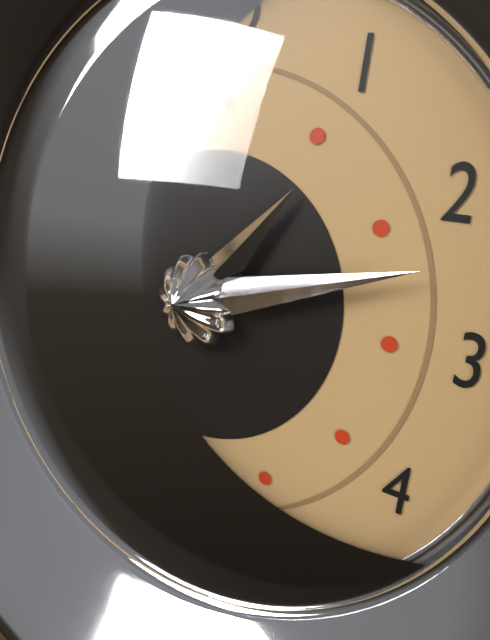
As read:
1:12
